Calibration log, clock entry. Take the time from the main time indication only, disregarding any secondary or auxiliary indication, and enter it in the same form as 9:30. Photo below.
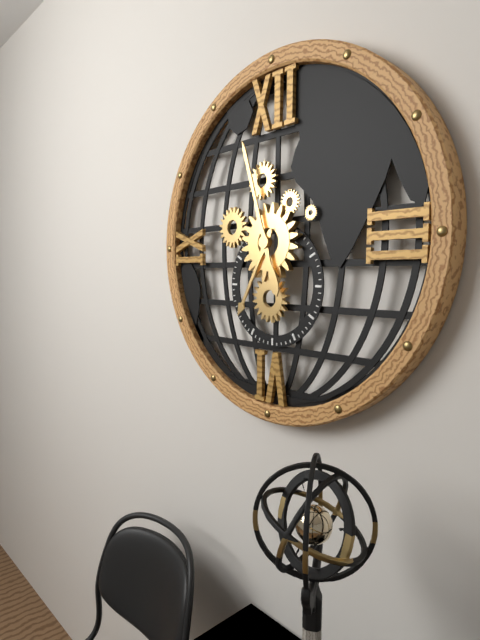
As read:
6:57
